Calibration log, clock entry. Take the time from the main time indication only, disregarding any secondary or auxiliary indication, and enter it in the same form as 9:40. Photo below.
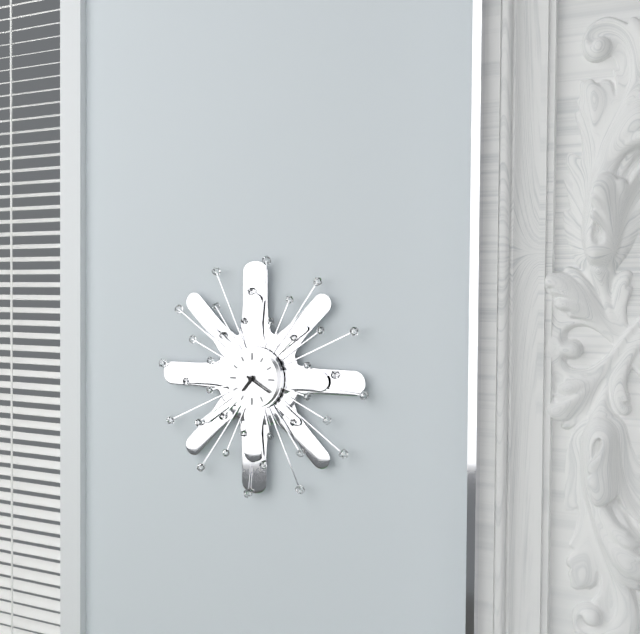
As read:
7:20
